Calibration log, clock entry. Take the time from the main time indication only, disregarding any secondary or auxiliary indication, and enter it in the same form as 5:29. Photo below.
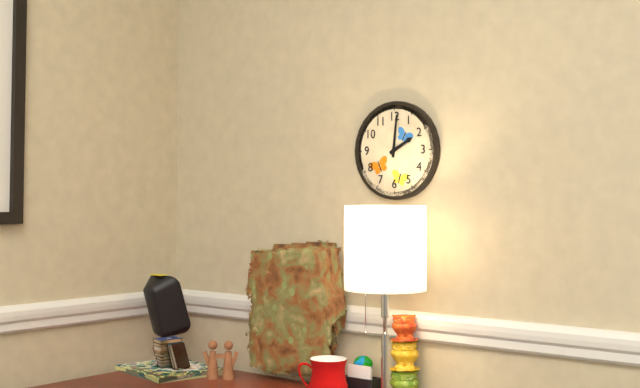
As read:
2:01
